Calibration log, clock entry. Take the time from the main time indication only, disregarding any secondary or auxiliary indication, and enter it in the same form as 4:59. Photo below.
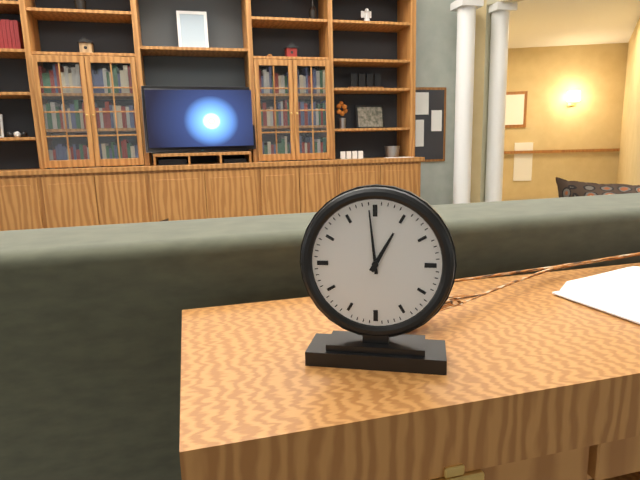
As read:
12:59
